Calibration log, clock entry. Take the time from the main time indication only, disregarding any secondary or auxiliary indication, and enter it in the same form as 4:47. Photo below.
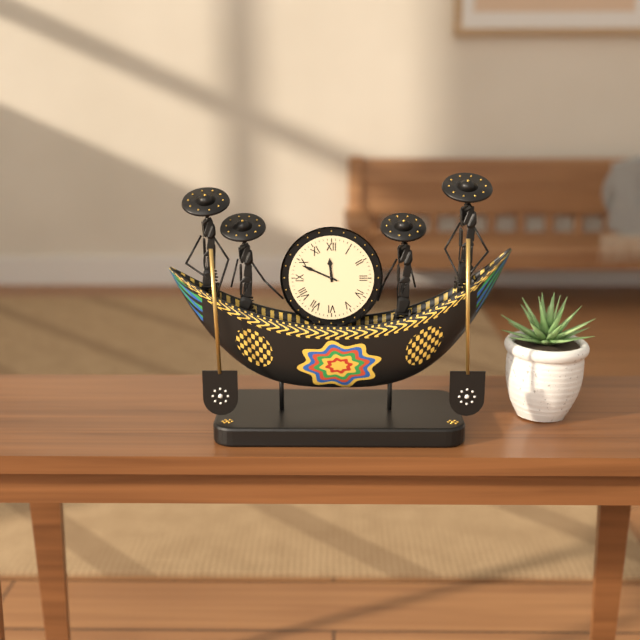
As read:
11:49
